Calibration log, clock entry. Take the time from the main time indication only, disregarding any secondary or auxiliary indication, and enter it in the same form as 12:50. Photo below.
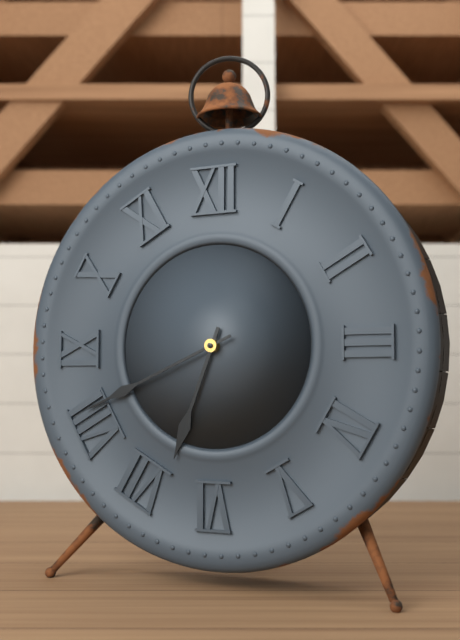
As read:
6:41
